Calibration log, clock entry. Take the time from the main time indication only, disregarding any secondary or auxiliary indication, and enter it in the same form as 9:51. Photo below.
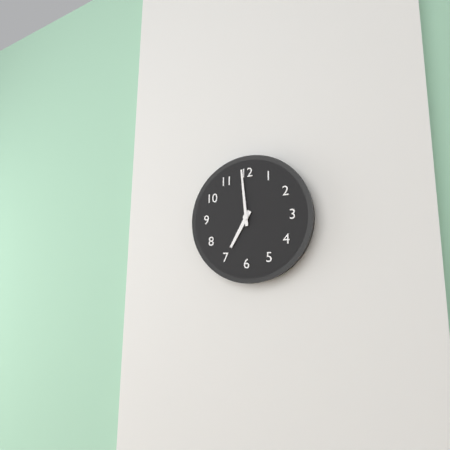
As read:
6:59
